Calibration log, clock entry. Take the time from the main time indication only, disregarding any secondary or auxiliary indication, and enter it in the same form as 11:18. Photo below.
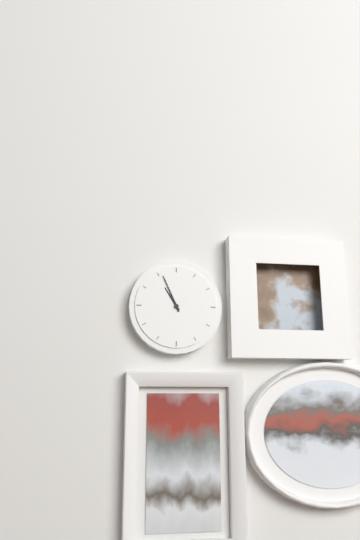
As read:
10:56
